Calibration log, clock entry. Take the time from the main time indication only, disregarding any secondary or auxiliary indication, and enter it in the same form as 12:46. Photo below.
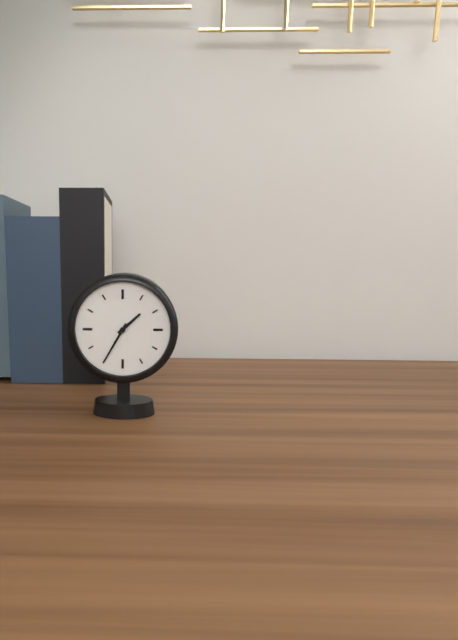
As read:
1:35
